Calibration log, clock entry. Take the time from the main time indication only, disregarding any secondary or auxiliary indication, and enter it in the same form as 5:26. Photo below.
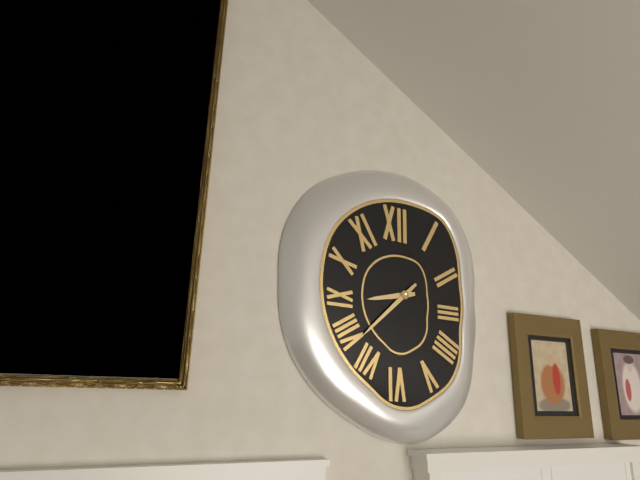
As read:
8:38
